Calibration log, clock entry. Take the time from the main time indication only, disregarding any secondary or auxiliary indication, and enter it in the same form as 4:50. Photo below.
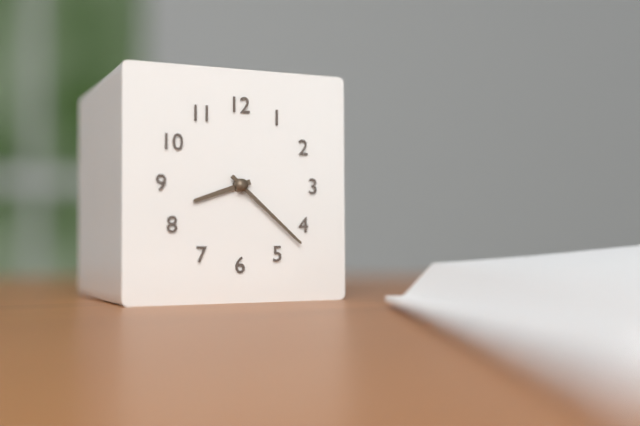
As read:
8:22
